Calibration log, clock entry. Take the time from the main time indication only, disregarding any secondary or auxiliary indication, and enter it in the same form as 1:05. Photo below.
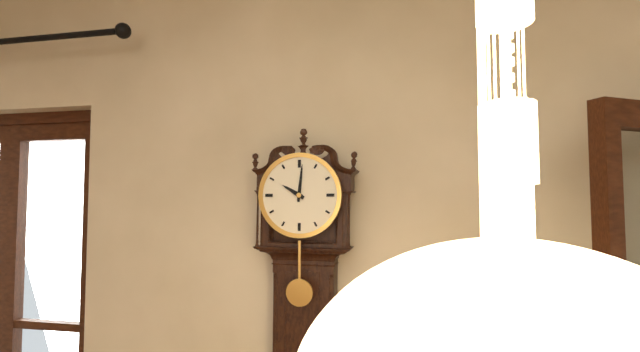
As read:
10:01
